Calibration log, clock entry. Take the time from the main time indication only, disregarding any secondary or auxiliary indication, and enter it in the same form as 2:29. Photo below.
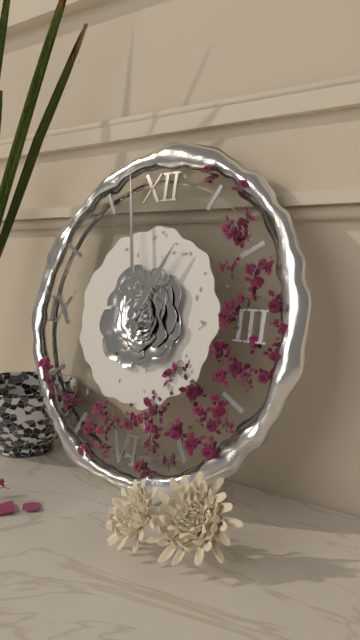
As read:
12:58
